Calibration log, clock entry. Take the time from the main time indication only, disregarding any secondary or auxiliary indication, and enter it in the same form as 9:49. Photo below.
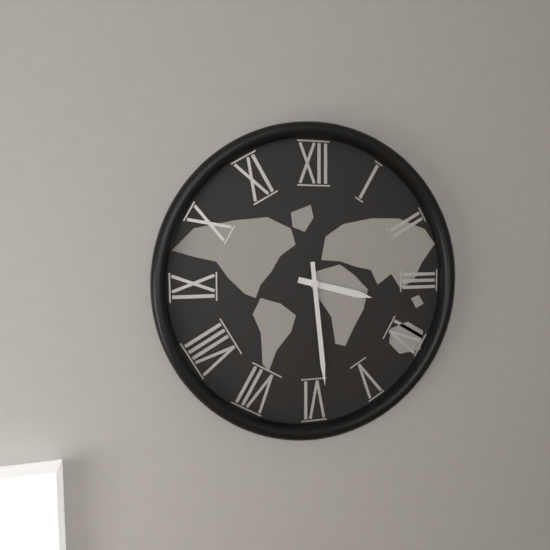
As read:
3:29
